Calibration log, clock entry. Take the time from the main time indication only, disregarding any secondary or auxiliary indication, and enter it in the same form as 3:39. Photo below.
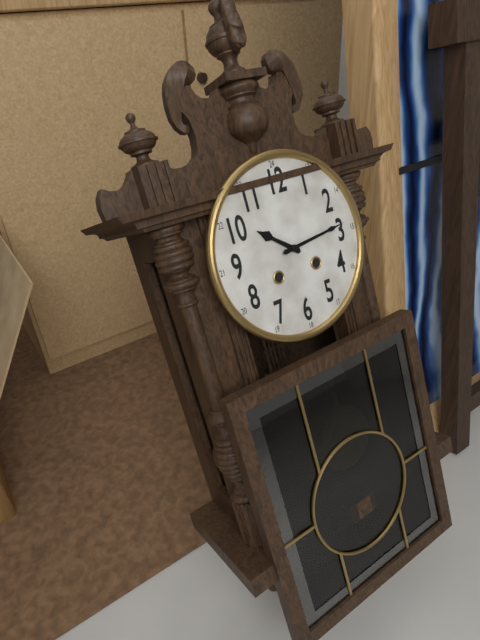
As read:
10:14
